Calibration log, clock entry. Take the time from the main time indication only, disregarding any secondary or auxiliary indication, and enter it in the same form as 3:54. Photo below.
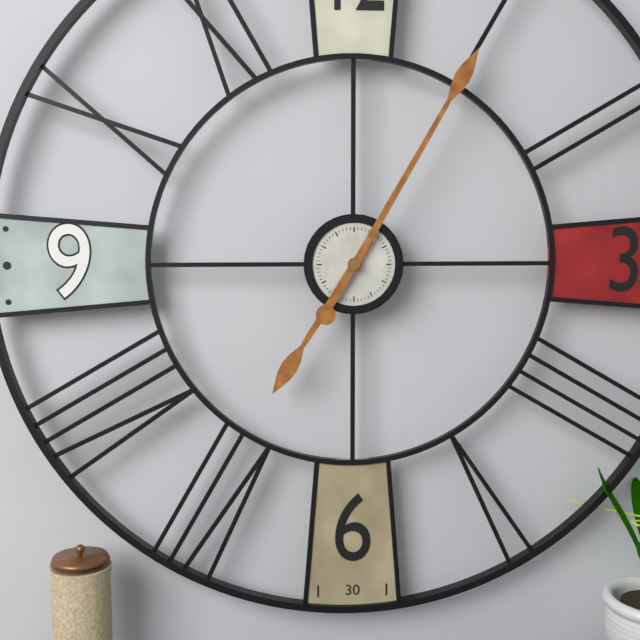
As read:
7:05
